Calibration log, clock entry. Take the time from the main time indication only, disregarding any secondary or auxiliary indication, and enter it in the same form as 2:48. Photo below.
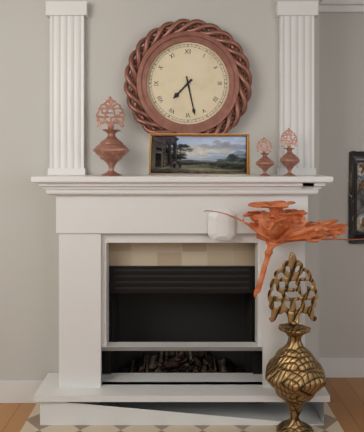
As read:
7:28
